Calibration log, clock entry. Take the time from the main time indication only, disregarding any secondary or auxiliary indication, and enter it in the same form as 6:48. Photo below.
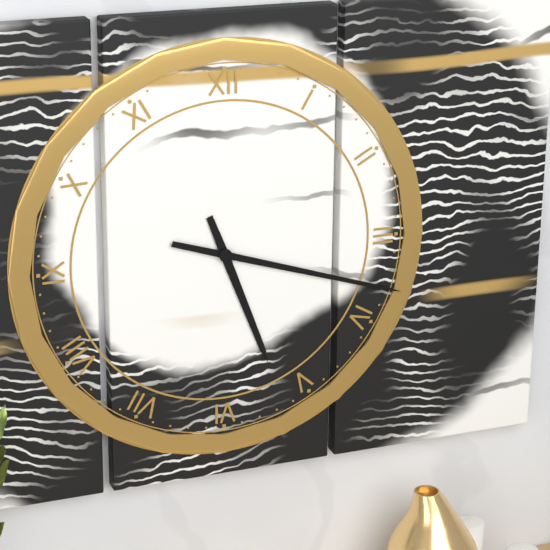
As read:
5:18
